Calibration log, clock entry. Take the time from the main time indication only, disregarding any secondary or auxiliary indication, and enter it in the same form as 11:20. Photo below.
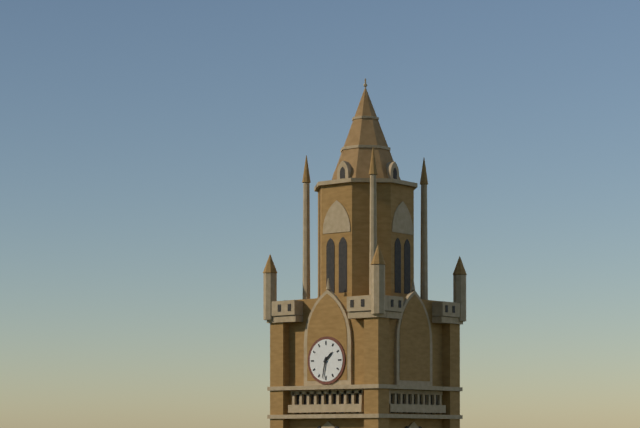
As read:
1:32
